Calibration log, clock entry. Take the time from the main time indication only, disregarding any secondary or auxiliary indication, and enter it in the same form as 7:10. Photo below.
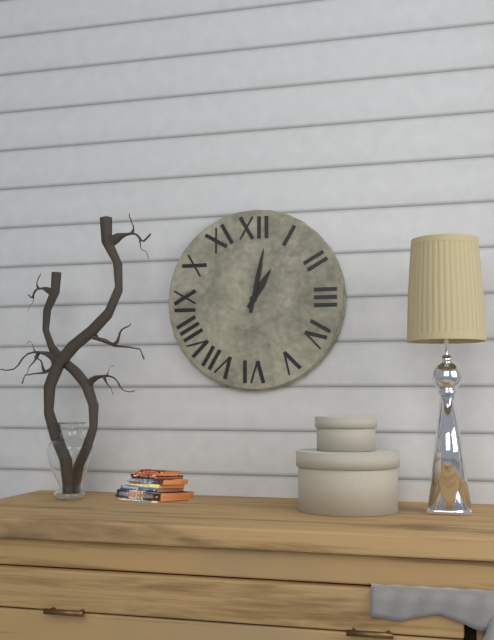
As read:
1:02
